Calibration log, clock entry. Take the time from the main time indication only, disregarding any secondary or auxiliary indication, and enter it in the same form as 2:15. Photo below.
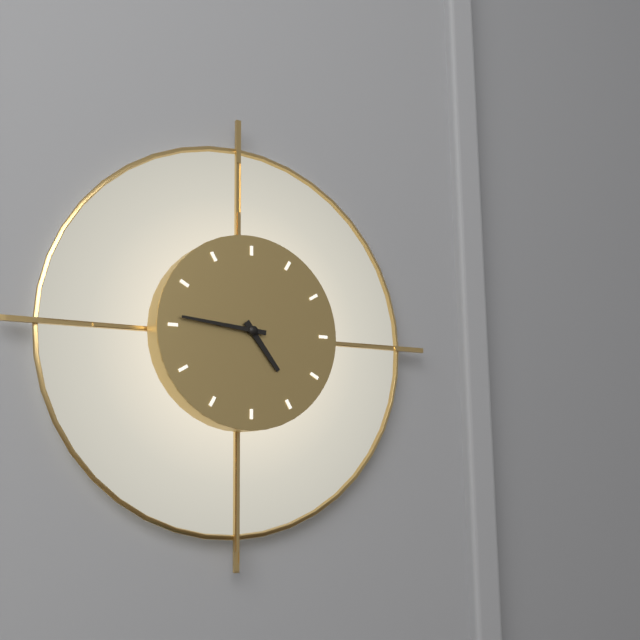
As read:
4:46
